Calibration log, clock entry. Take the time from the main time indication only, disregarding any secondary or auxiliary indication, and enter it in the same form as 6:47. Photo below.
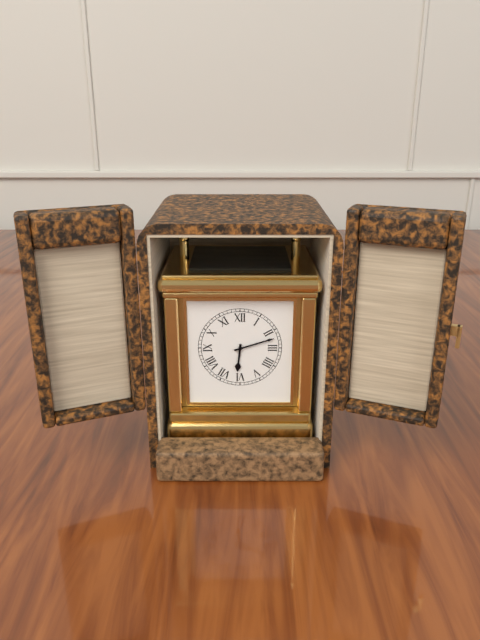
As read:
6:12
